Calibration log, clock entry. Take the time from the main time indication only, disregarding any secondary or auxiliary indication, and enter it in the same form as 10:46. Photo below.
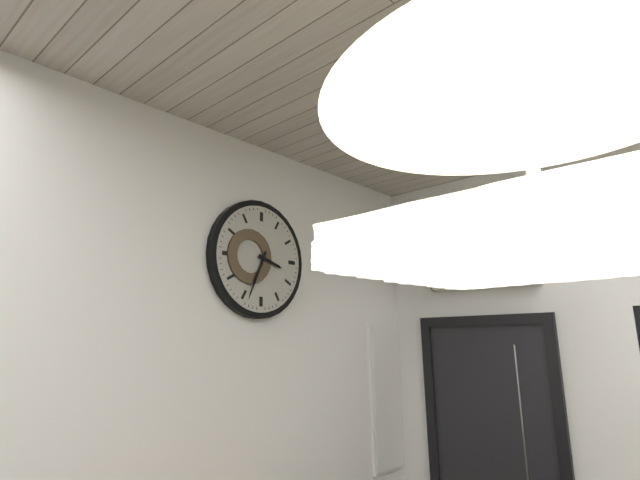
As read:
3:34
